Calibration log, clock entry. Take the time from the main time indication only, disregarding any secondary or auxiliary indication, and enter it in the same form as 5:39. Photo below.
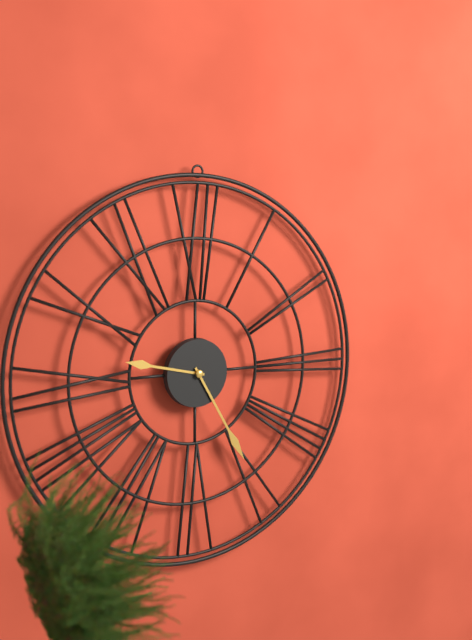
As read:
9:25
